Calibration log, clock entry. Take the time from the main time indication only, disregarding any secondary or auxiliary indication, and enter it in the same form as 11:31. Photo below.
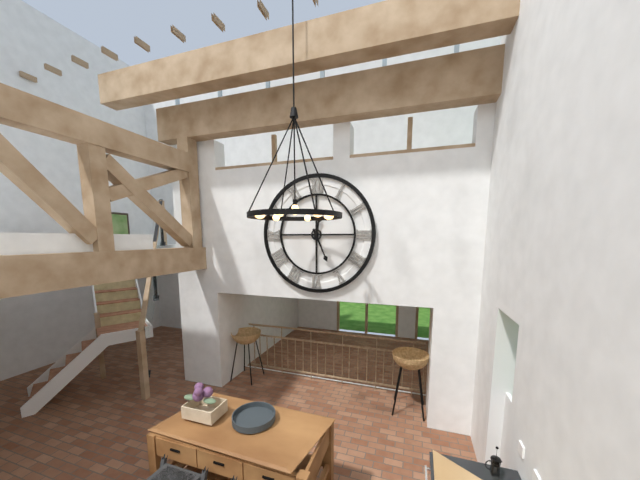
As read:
12:26
